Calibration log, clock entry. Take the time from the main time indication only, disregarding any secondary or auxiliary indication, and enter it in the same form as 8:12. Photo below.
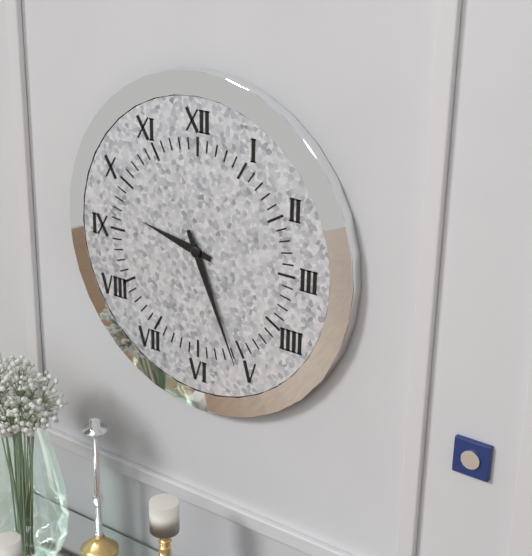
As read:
9:26
